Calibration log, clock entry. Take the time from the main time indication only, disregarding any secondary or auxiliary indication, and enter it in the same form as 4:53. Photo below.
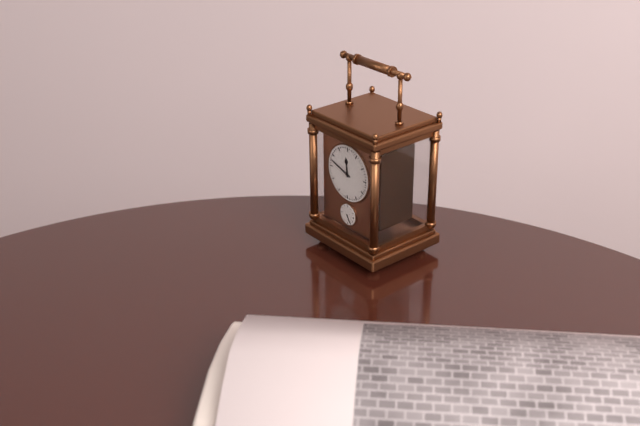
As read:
11:48
